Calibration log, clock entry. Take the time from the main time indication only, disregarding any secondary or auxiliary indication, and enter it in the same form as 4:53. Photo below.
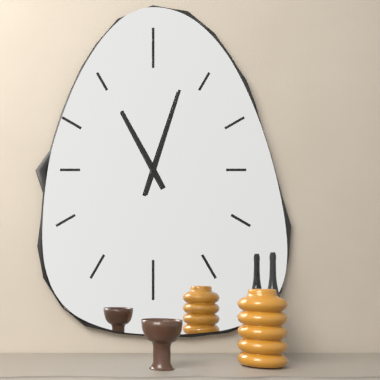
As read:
11:03
